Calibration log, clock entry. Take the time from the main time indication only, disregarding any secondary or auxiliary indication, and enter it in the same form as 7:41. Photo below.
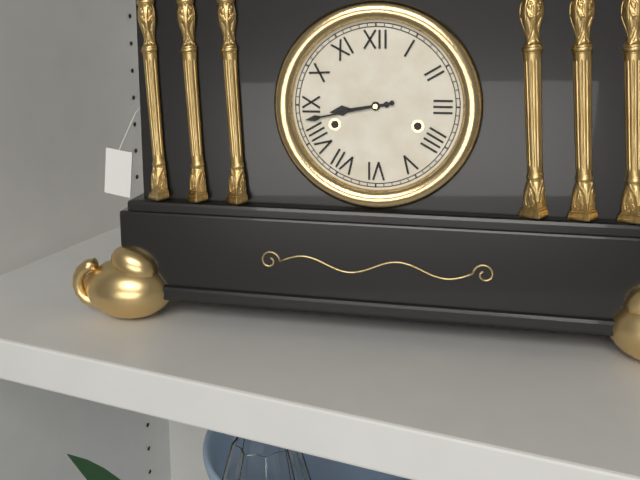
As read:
8:43
